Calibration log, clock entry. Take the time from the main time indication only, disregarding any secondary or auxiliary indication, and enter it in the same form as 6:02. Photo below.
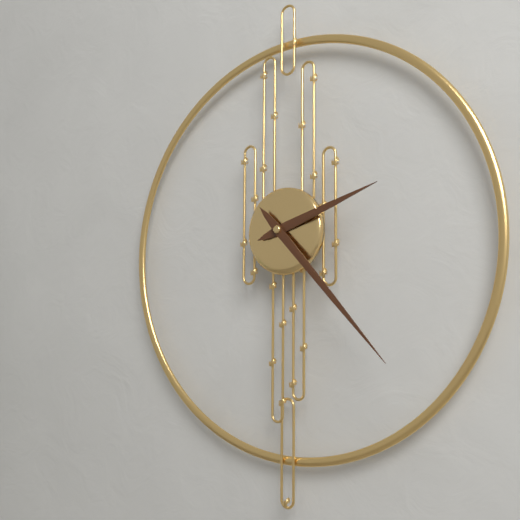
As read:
2:23
